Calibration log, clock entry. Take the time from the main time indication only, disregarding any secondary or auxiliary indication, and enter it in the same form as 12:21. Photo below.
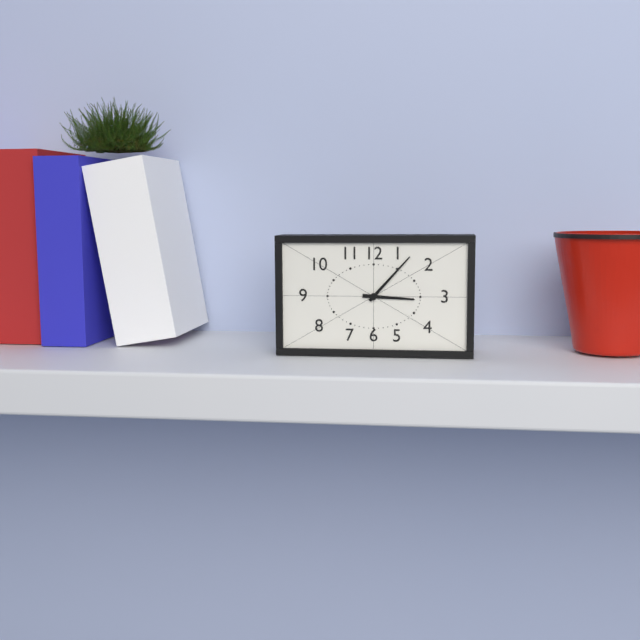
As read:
3:07
